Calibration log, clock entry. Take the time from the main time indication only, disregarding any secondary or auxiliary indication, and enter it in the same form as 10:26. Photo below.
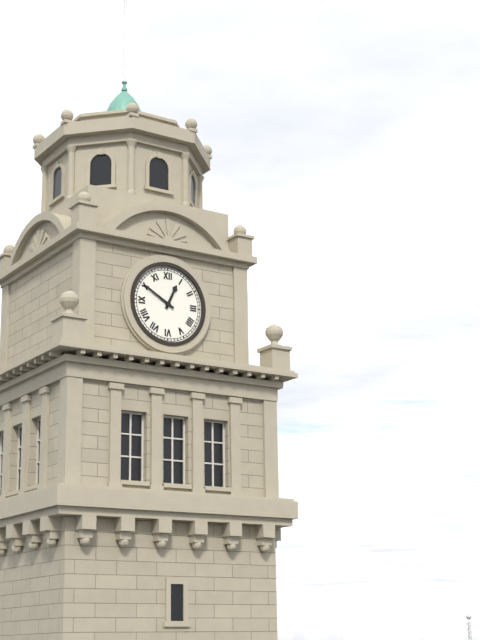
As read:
12:50
